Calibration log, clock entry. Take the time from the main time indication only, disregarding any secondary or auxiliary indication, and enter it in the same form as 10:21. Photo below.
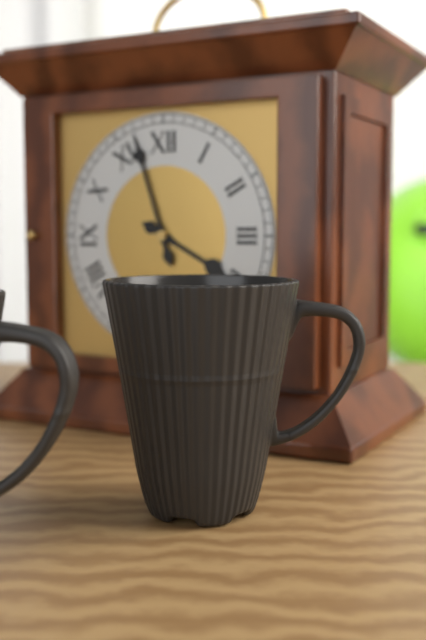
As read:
3:57
